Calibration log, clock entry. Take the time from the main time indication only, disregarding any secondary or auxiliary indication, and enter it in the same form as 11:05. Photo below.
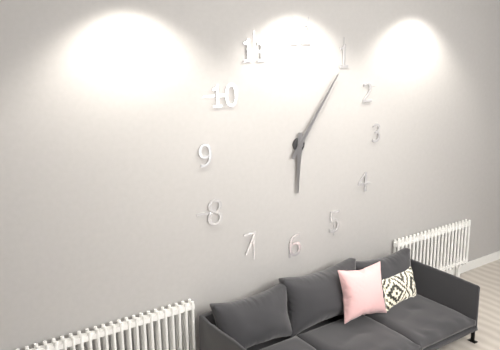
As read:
6:06
